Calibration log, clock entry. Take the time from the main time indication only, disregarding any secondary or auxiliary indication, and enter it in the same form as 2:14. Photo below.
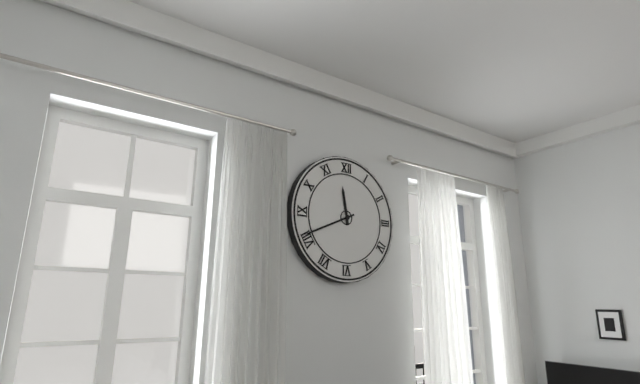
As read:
11:41
